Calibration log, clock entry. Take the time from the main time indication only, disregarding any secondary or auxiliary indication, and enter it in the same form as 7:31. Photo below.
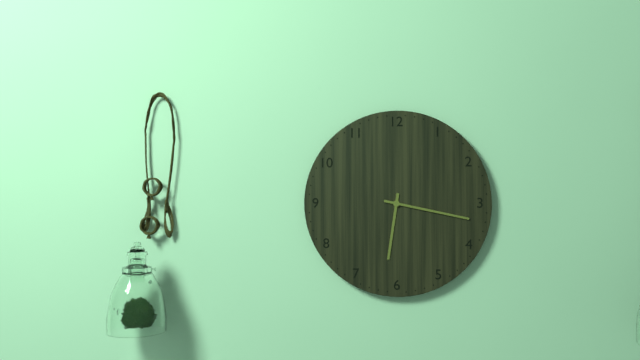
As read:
6:17
